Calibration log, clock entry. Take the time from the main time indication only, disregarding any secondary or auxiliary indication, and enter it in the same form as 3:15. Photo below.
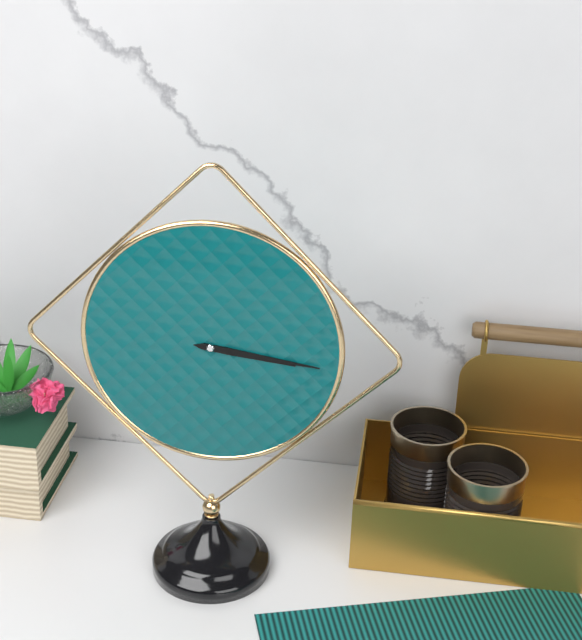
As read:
3:16
